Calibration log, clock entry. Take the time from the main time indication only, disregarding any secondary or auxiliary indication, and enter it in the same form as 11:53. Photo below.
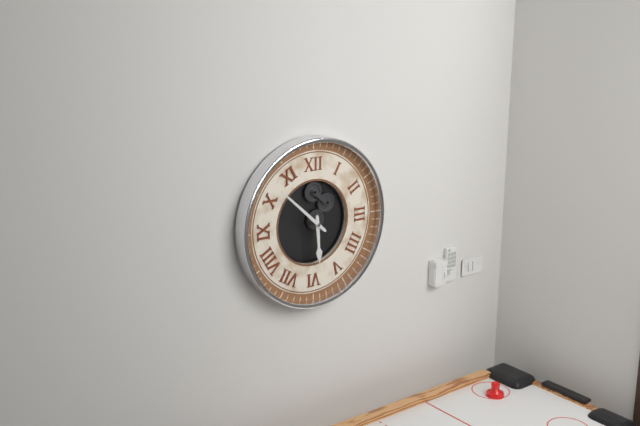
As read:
5:52
